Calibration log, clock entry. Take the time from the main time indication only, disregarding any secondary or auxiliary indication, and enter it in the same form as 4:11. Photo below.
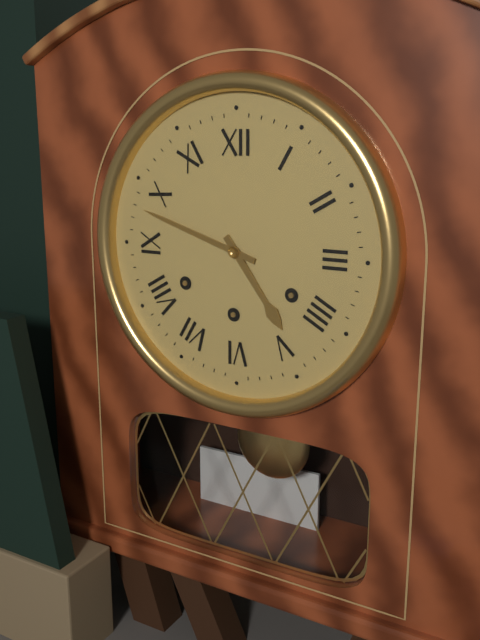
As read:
4:48
